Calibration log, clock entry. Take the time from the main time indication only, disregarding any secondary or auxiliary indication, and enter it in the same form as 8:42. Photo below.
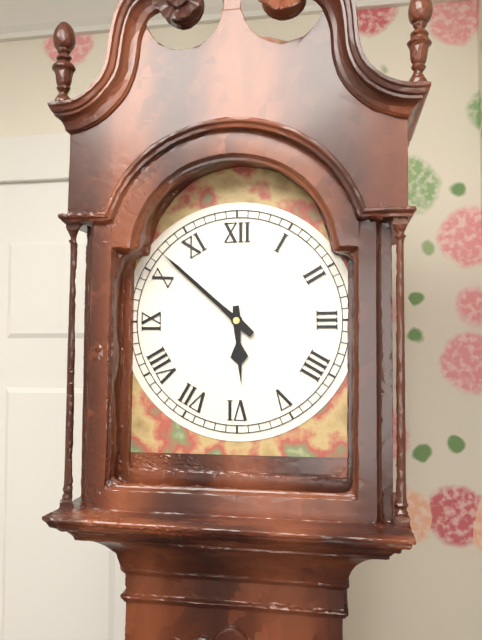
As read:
5:52
